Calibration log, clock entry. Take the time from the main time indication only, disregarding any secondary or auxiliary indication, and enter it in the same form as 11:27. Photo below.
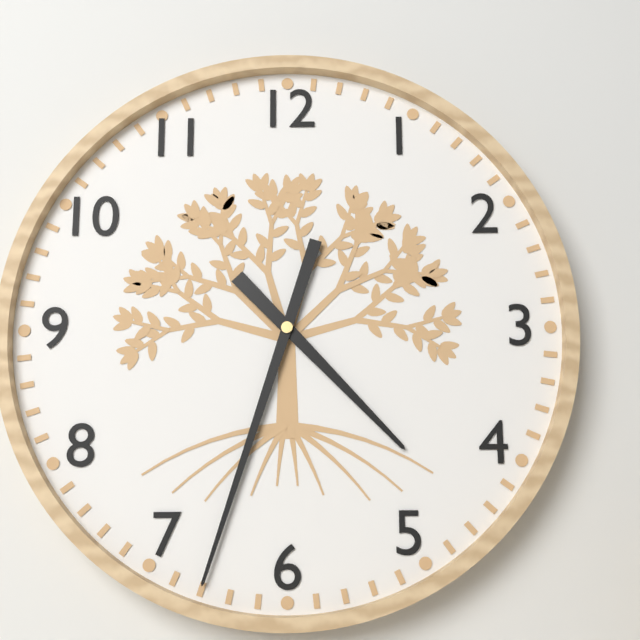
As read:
4:33
